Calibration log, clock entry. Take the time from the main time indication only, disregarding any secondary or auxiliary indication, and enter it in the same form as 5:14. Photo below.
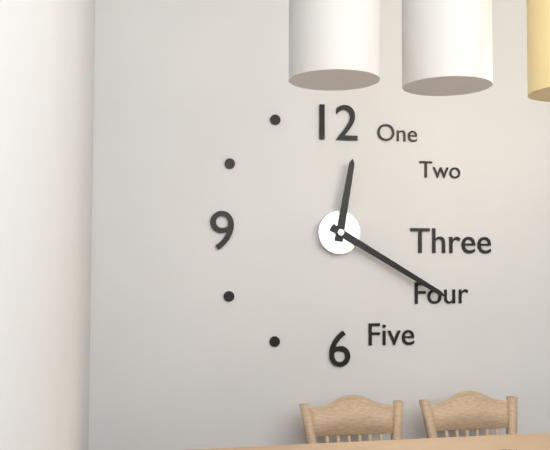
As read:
12:20
